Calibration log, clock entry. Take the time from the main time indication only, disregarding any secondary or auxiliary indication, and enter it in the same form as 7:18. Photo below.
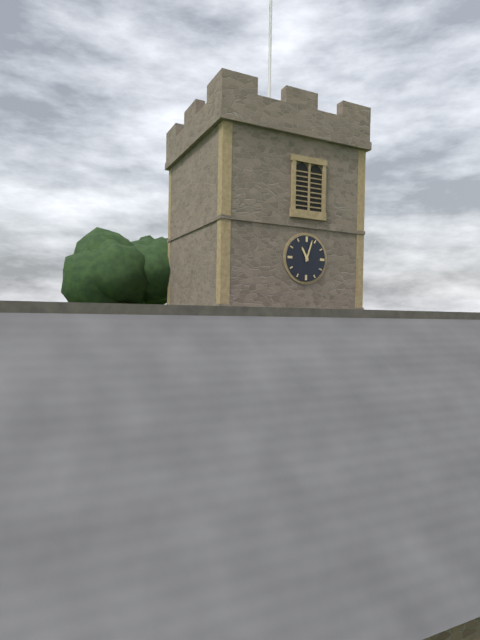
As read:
11:03
